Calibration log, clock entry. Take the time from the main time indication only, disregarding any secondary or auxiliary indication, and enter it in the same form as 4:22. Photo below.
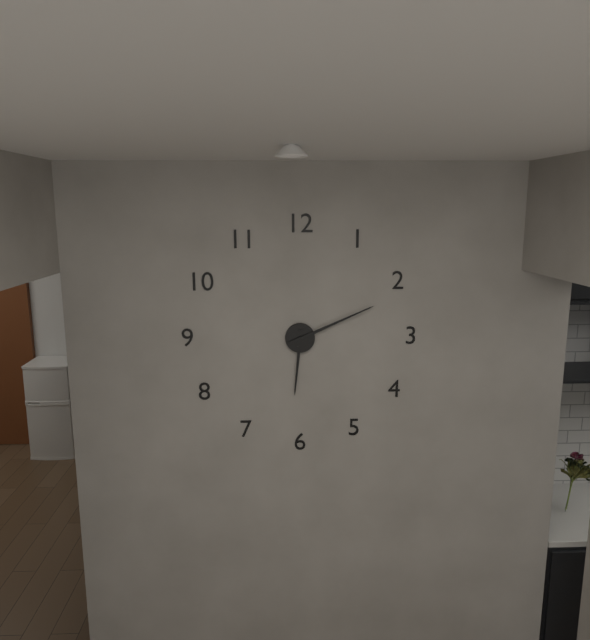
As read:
6:11
